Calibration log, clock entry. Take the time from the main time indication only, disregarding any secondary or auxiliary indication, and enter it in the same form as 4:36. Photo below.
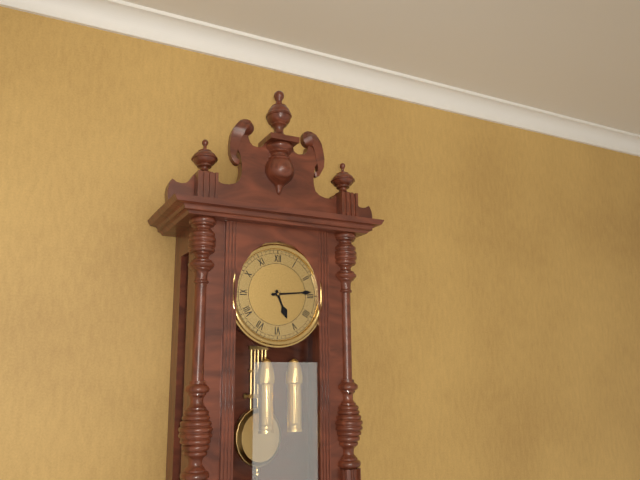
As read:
5:14
